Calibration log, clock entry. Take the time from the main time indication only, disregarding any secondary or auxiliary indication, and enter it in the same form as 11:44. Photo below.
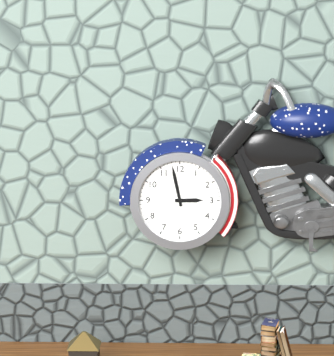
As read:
2:58
